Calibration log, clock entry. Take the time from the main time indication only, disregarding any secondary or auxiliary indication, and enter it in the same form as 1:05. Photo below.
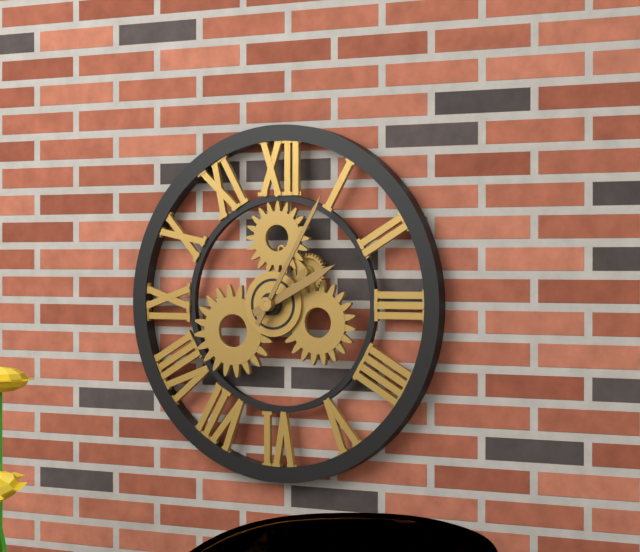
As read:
2:05
